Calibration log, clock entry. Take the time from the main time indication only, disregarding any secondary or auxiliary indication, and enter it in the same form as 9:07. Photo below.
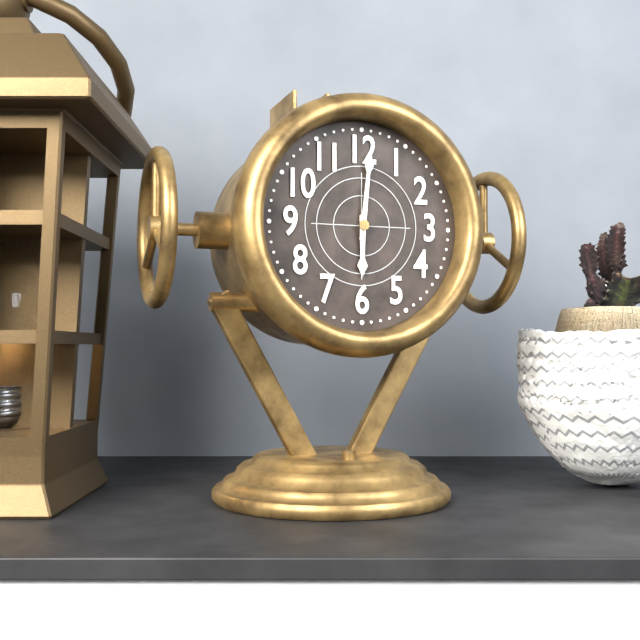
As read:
6:01
